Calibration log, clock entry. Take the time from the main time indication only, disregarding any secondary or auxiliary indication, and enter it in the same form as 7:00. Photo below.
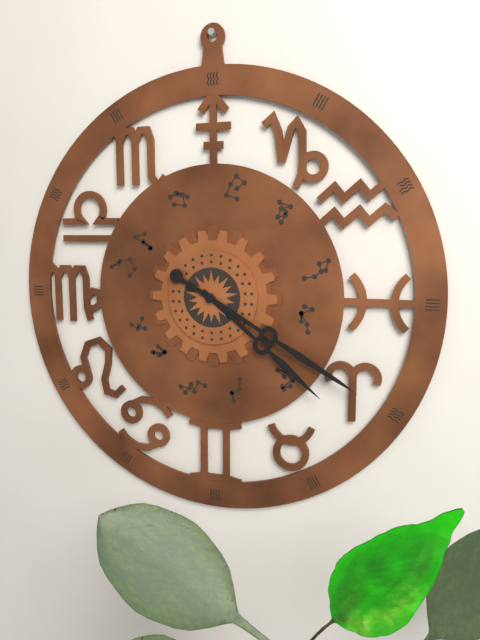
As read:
4:20
